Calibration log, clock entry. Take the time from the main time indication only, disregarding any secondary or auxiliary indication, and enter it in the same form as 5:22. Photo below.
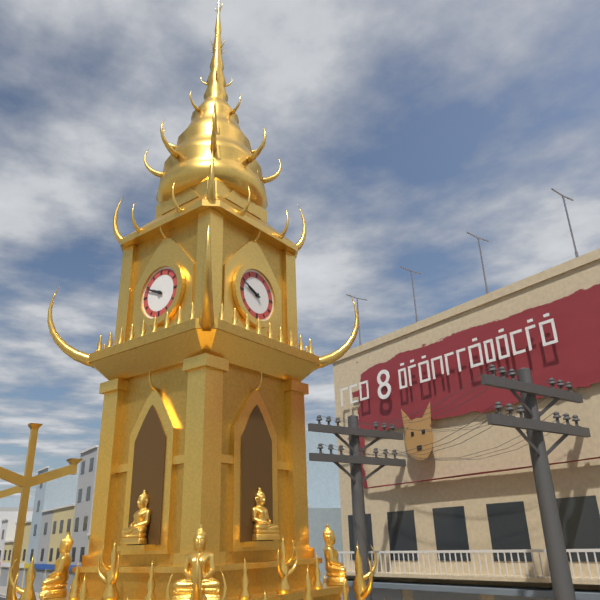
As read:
9:49
